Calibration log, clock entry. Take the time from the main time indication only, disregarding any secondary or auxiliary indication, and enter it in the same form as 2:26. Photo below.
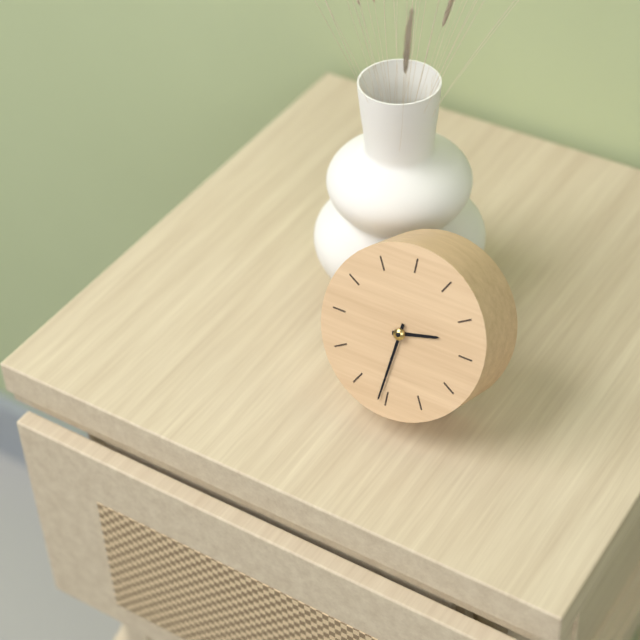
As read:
2:31
